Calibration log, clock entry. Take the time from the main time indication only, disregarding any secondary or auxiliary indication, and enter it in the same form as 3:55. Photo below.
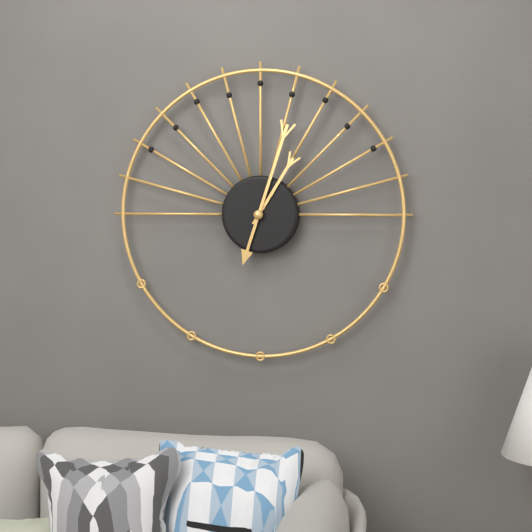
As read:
1:03
